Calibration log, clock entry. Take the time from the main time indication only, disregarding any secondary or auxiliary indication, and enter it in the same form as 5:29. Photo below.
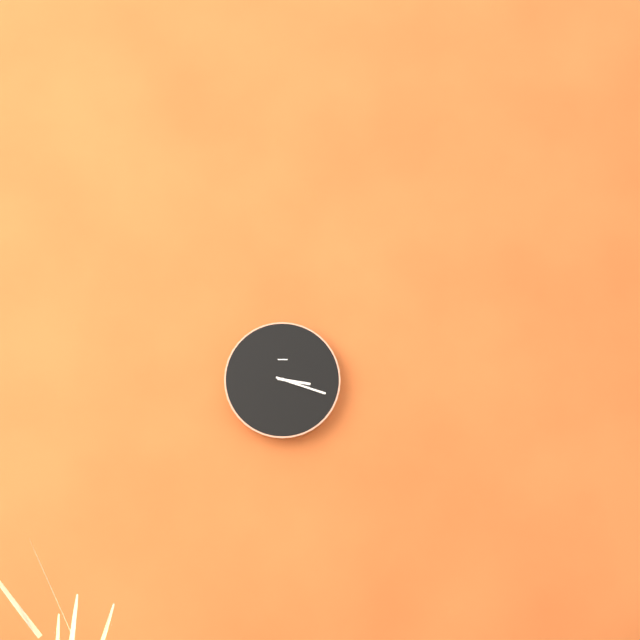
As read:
3:18
